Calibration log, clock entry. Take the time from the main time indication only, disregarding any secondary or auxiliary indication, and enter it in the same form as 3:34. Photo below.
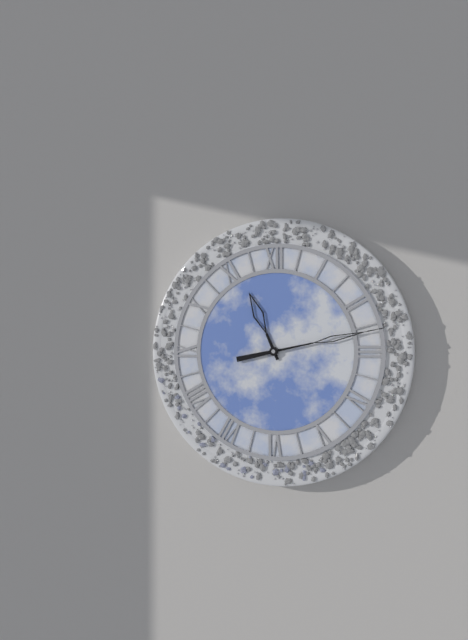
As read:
11:13
